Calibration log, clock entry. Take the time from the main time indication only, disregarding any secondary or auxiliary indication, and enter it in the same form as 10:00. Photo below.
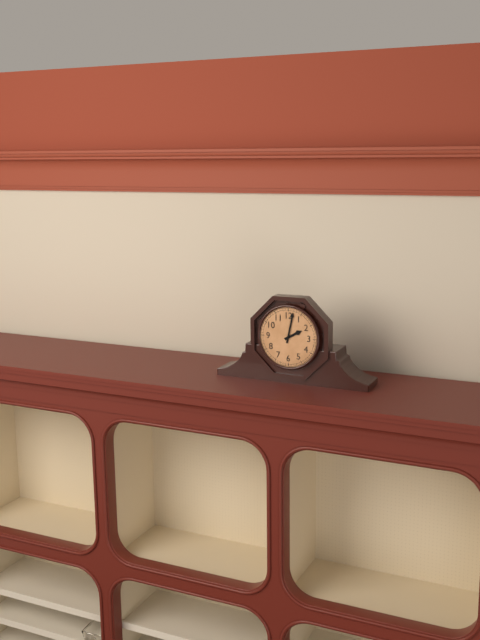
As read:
2:02
